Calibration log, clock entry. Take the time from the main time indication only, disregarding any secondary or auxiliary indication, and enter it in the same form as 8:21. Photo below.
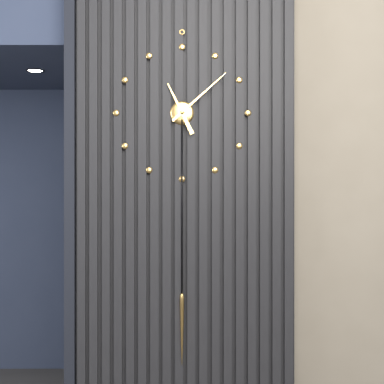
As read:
11:08
